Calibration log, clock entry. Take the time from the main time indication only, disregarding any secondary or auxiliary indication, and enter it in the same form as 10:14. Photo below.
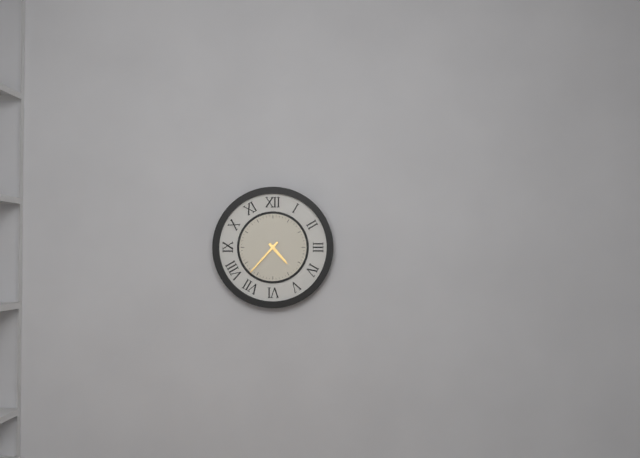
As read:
4:37
